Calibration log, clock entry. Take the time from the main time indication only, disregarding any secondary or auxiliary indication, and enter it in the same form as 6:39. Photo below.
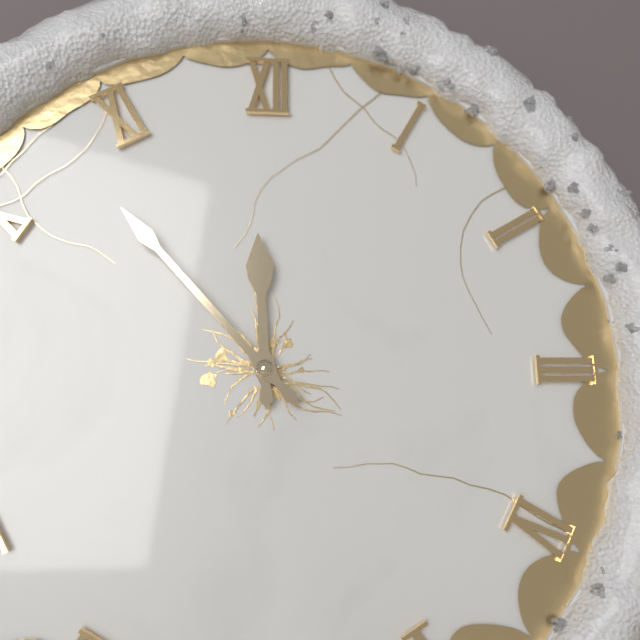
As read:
11:53
